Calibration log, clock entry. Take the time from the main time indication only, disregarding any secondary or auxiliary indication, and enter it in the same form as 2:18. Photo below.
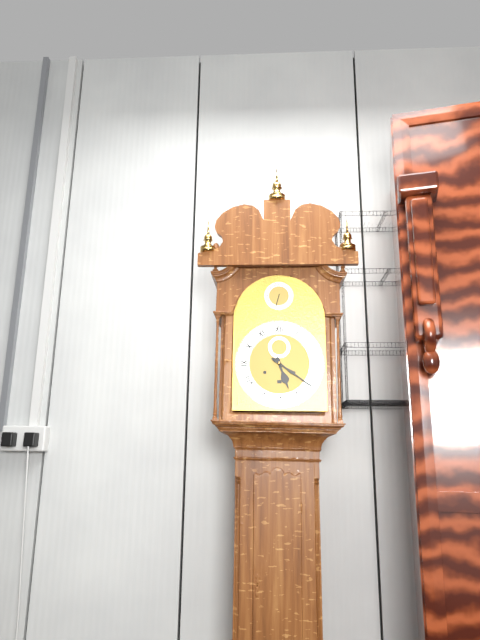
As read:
5:21
